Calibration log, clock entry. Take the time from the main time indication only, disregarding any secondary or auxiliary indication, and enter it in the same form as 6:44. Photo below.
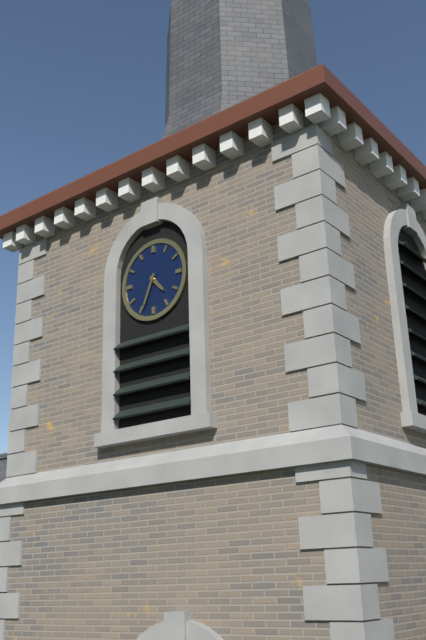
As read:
4:34
